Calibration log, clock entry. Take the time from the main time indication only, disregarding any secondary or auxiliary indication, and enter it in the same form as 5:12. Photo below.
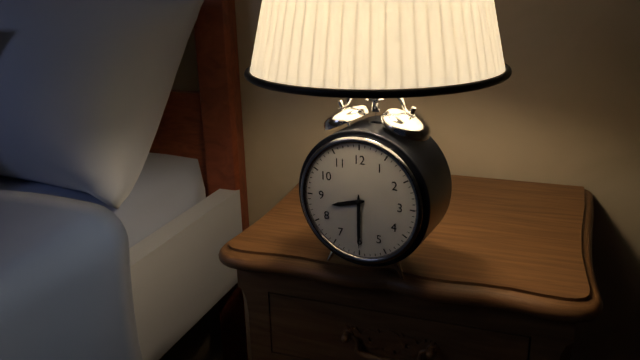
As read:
8:30
